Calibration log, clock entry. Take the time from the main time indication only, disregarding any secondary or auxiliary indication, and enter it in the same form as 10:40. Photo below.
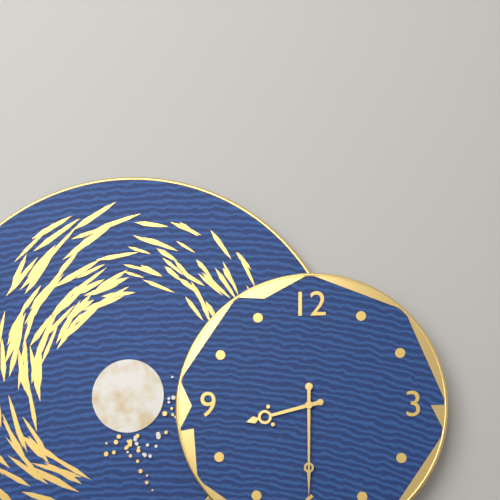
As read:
8:30
